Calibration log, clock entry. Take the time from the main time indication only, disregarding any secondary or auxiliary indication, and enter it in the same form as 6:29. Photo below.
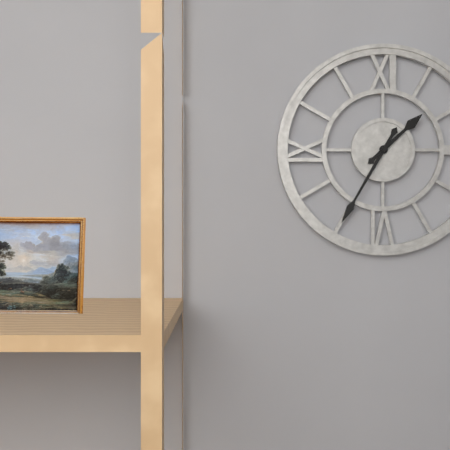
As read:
1:35
